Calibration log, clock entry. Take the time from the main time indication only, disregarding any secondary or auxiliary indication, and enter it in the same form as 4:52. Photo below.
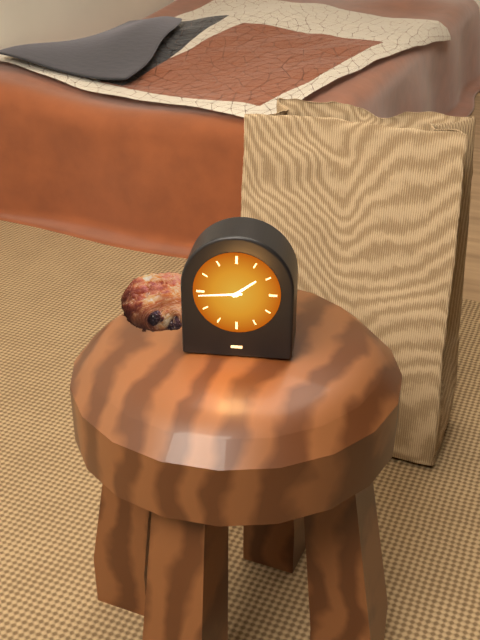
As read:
1:44
